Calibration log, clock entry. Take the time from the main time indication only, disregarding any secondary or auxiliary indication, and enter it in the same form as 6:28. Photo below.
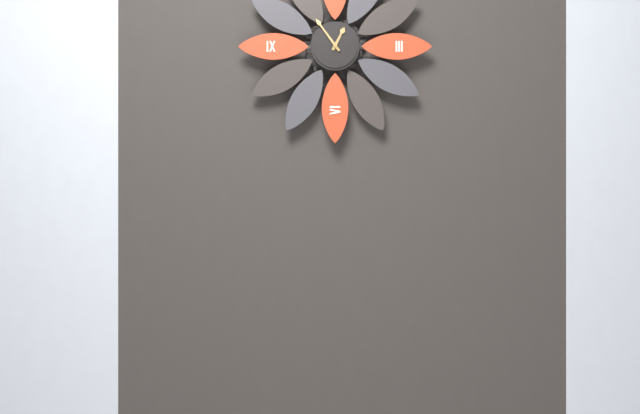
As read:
12:54
